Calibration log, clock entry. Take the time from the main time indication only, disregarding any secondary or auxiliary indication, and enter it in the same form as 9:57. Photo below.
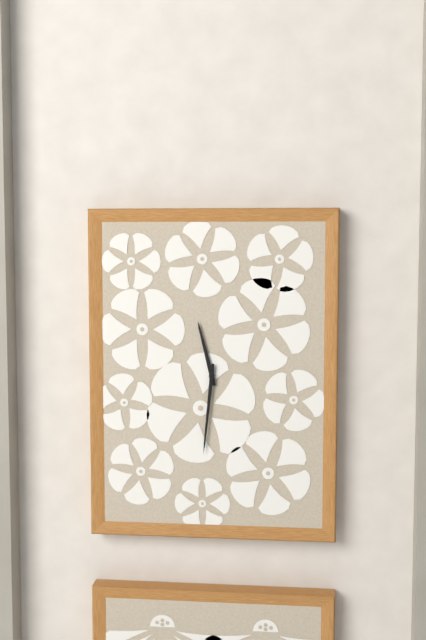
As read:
11:31
